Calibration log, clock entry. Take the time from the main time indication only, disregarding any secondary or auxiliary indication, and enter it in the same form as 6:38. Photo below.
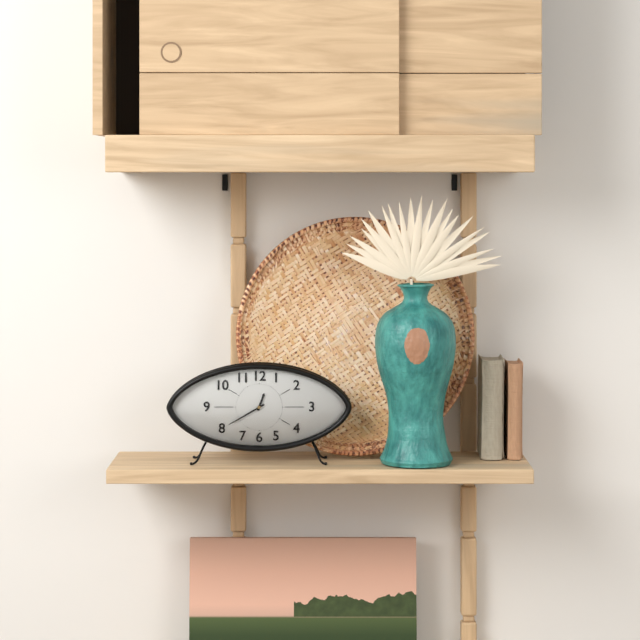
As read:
12:40
